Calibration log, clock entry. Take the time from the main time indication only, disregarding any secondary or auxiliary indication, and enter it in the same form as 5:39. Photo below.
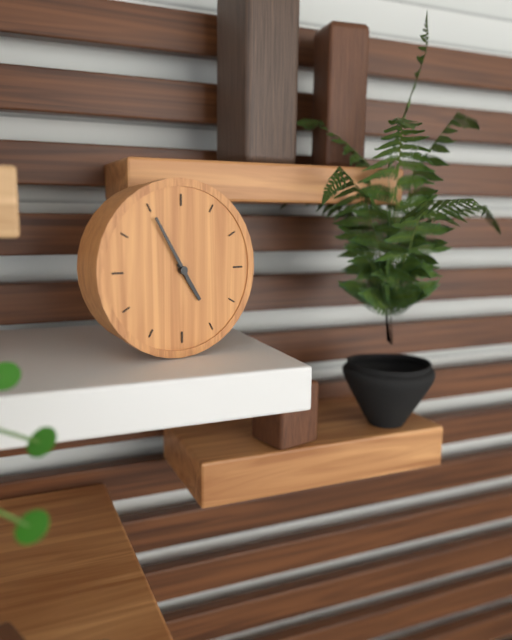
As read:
4:55
